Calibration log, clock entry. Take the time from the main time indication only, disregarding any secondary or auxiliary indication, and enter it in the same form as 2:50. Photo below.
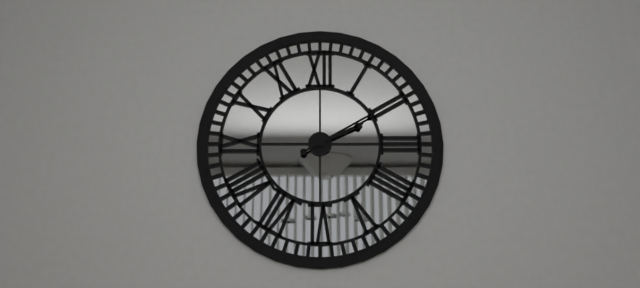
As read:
2:10
